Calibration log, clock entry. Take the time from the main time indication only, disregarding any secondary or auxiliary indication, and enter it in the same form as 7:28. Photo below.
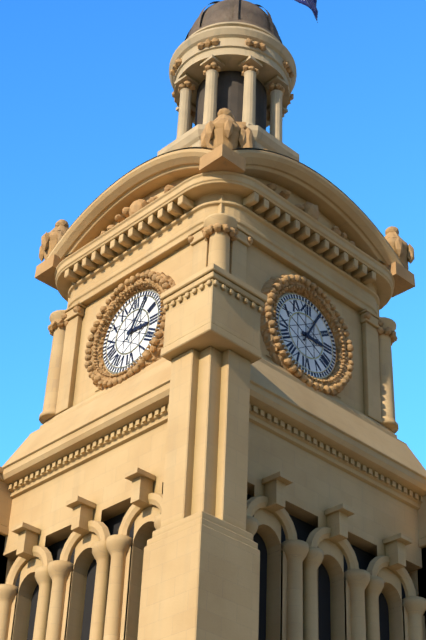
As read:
3:05
